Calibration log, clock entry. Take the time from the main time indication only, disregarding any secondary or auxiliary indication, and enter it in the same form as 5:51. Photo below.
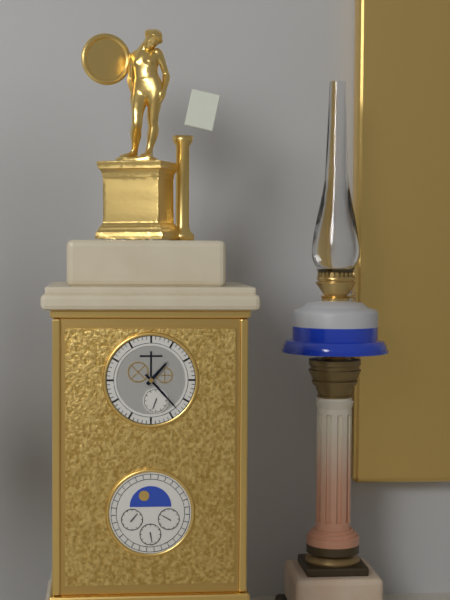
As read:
1:23
